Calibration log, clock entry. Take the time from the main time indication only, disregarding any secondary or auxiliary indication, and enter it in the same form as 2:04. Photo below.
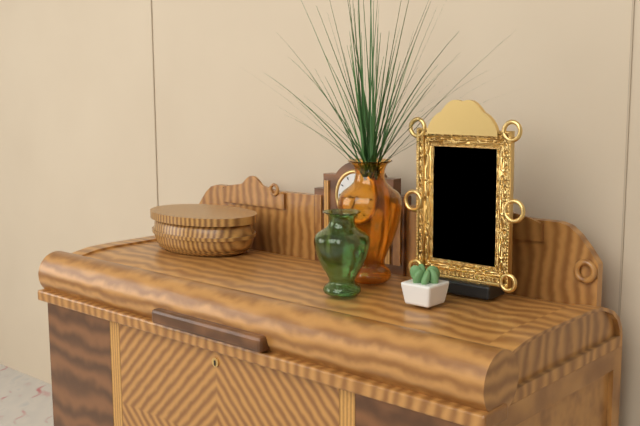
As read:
9:34
